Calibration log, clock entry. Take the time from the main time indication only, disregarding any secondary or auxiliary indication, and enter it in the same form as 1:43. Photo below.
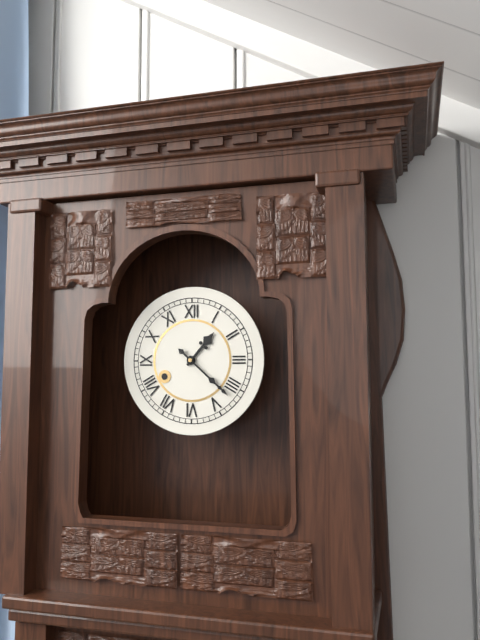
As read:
1:22
